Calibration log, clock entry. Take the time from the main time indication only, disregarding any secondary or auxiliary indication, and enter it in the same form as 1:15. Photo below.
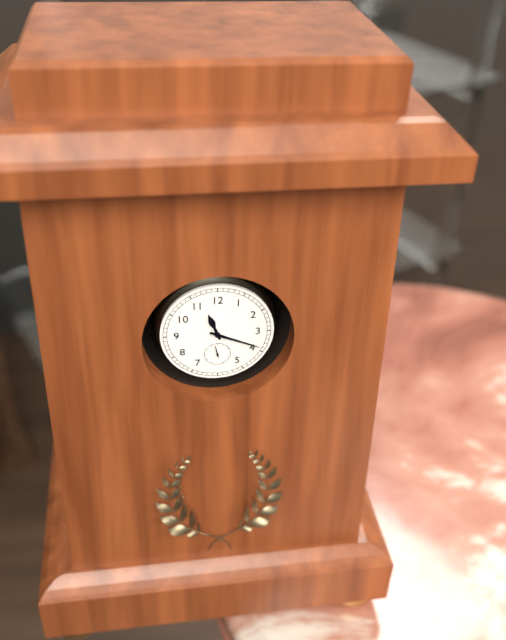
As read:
11:19
